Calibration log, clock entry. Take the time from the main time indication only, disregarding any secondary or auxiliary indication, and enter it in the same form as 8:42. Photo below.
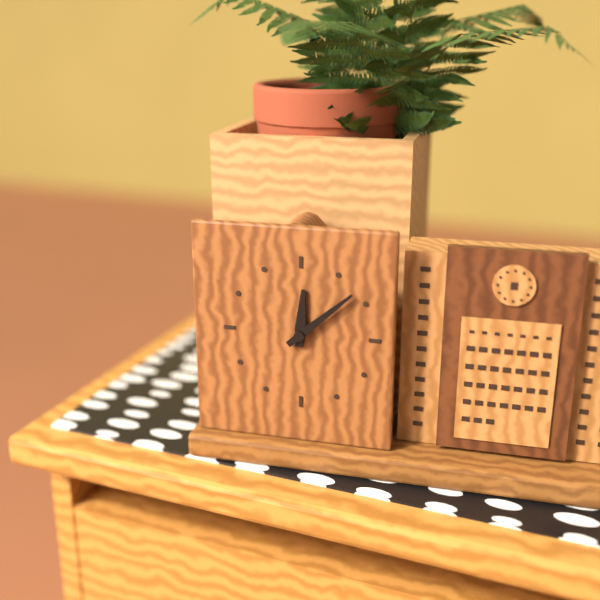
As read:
12:08
